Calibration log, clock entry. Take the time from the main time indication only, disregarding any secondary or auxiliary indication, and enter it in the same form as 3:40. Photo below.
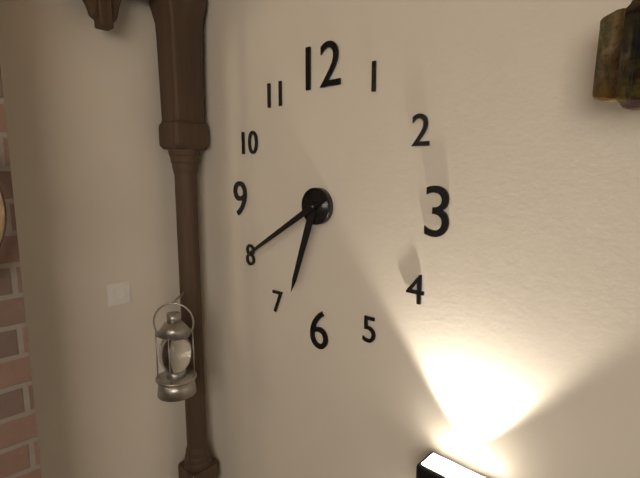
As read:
6:40
